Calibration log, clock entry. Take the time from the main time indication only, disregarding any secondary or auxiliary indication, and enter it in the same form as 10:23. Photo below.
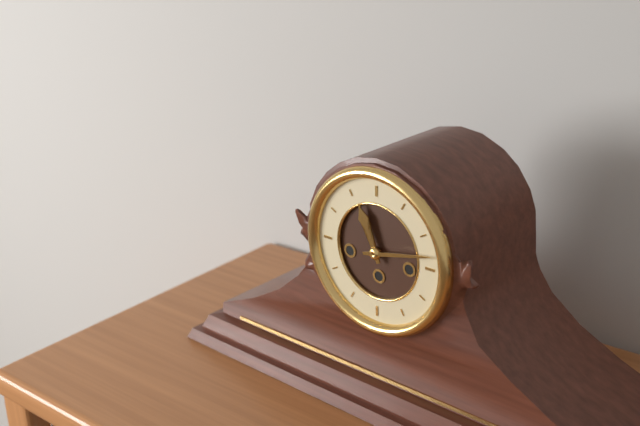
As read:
11:13
